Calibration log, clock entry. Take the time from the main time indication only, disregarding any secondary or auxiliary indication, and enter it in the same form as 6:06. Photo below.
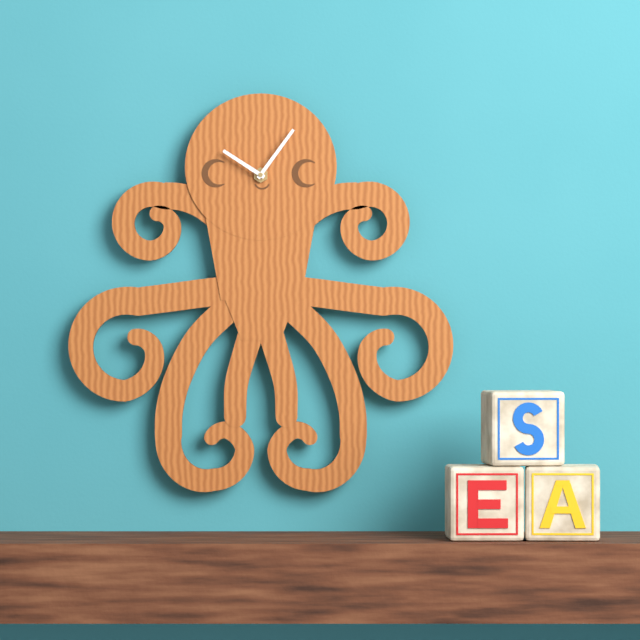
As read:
10:06
